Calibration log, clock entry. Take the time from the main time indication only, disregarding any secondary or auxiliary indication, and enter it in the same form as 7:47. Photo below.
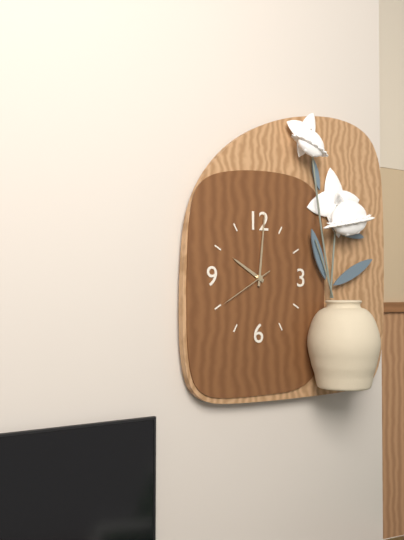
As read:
10:01
